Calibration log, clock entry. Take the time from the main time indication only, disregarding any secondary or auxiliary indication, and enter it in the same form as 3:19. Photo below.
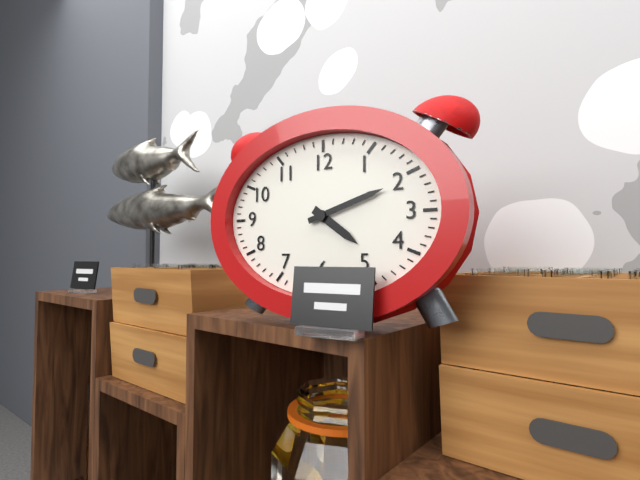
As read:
4:12
